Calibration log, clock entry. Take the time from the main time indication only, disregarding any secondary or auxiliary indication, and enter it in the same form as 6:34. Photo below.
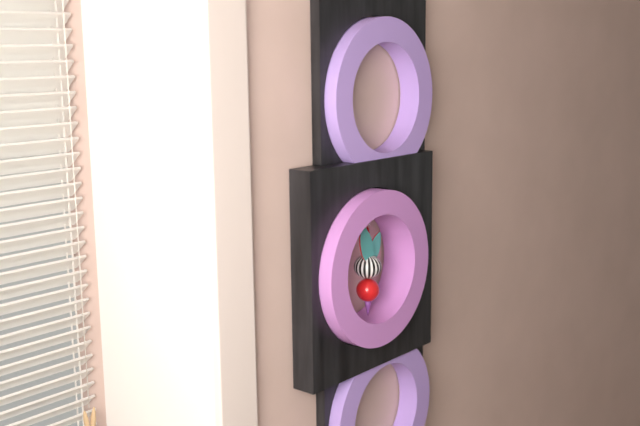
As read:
12:57
